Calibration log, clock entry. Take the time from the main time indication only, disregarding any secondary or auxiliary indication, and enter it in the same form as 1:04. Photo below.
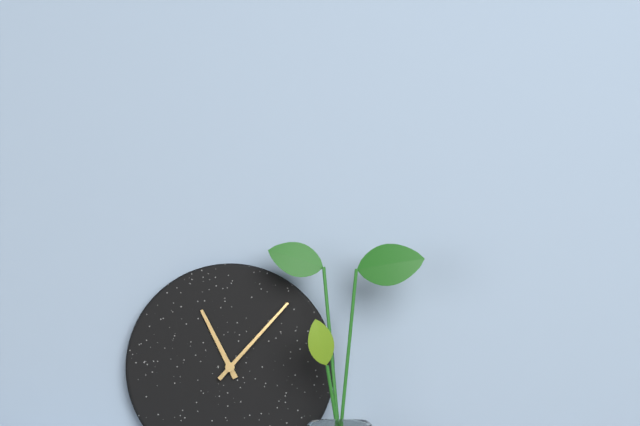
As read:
11:07
